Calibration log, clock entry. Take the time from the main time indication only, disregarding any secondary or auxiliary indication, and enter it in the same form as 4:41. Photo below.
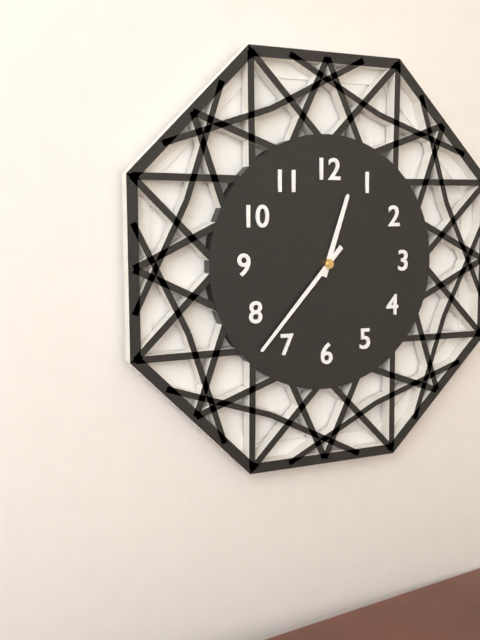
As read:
12:37
